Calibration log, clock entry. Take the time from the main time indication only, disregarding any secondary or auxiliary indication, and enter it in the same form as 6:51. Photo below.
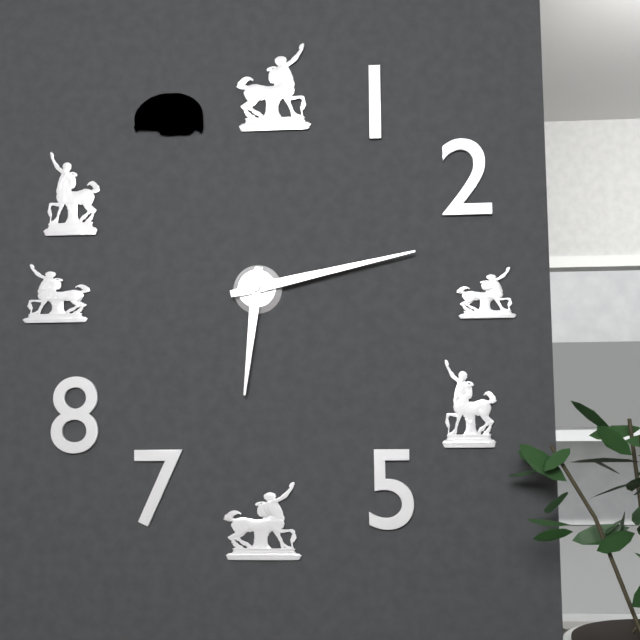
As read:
6:13
